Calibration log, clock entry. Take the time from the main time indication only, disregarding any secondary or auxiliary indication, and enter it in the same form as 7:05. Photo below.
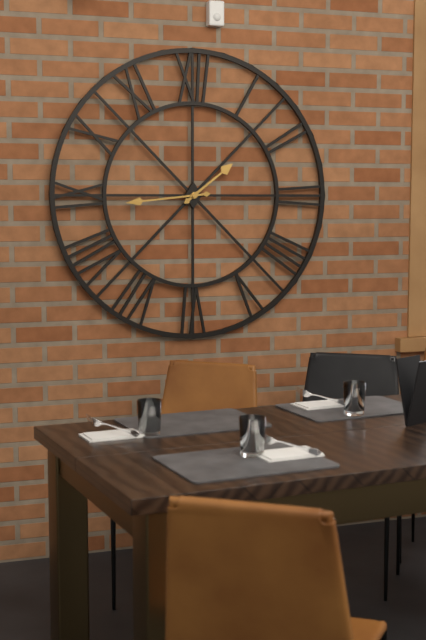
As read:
1:44
